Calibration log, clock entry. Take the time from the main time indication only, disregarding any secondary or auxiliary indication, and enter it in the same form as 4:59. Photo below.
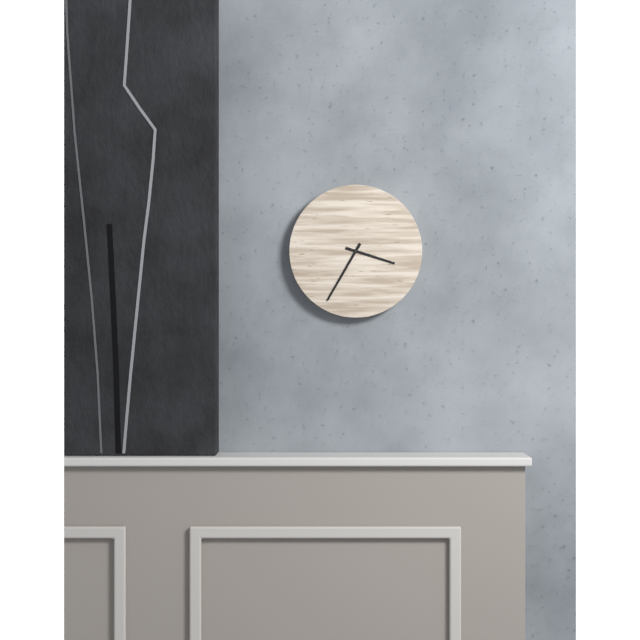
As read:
3:35
